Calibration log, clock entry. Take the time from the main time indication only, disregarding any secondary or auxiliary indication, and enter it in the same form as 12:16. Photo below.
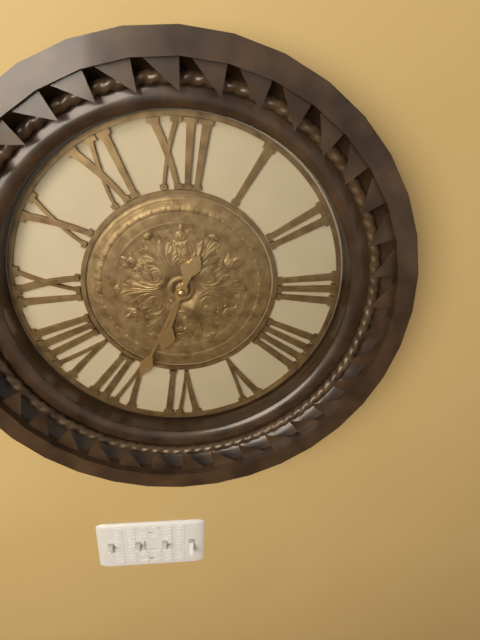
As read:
6:34
